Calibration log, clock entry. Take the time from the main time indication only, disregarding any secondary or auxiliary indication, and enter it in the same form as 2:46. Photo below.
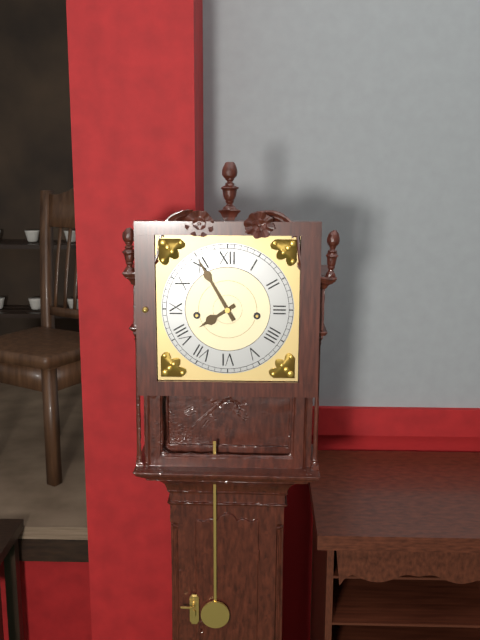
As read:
7:55
